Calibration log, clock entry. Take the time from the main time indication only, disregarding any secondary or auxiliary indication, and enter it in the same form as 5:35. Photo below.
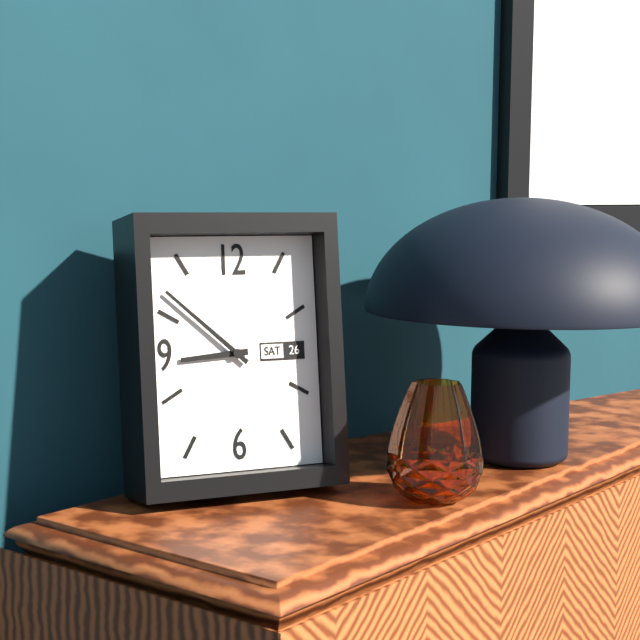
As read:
8:52
